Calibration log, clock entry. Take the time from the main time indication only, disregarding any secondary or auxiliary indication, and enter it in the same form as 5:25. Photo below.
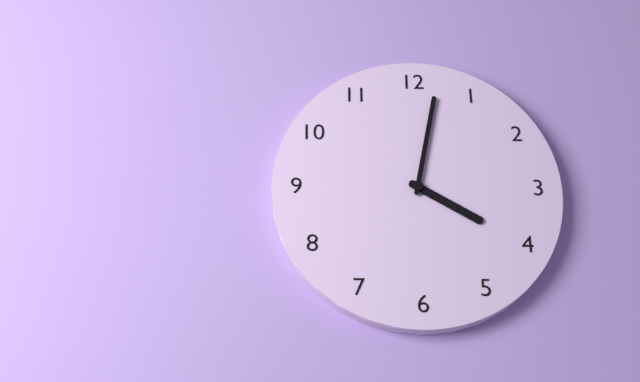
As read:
4:02
